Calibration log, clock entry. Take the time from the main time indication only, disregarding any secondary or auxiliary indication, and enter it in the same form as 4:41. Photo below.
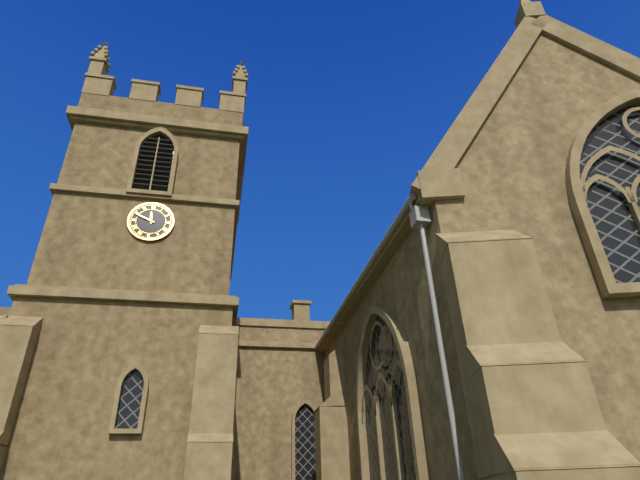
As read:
11:49
